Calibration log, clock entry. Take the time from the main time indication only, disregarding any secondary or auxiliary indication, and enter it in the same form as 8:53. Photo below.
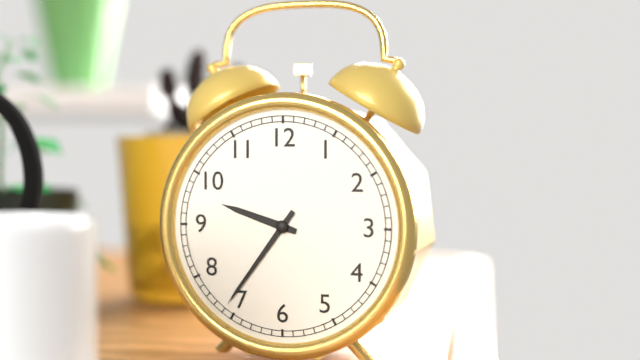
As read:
9:36
